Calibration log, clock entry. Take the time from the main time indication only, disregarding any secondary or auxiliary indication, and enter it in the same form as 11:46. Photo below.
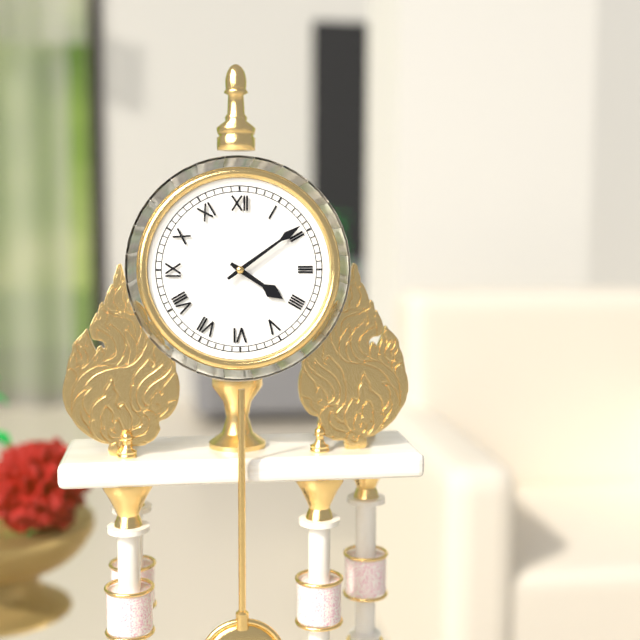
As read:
4:09
